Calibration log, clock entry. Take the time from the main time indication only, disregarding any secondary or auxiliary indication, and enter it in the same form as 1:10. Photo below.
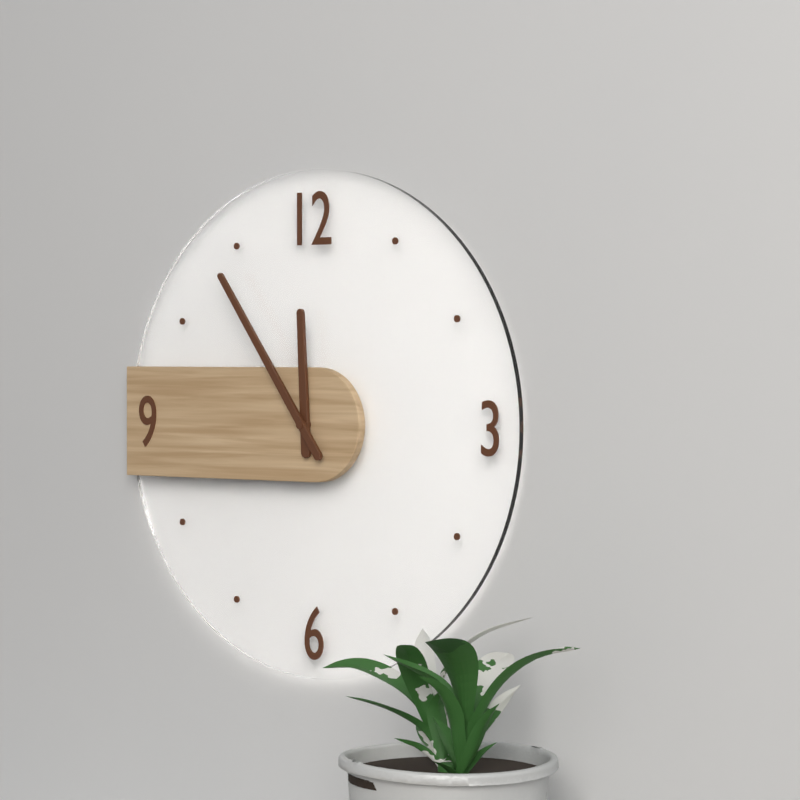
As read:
11:54
